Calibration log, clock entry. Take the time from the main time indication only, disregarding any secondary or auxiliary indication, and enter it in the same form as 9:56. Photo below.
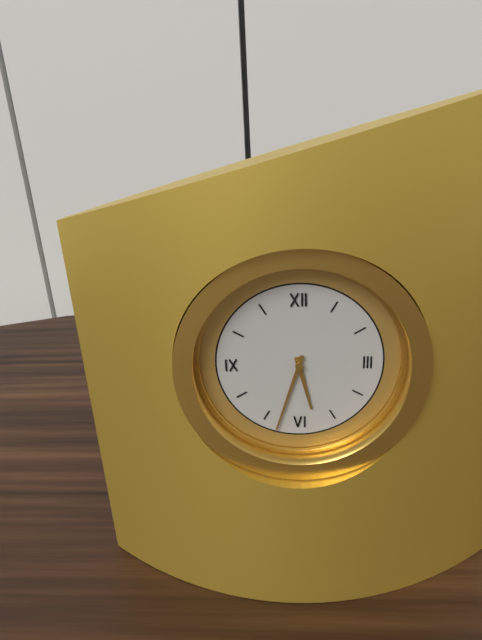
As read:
5:33
